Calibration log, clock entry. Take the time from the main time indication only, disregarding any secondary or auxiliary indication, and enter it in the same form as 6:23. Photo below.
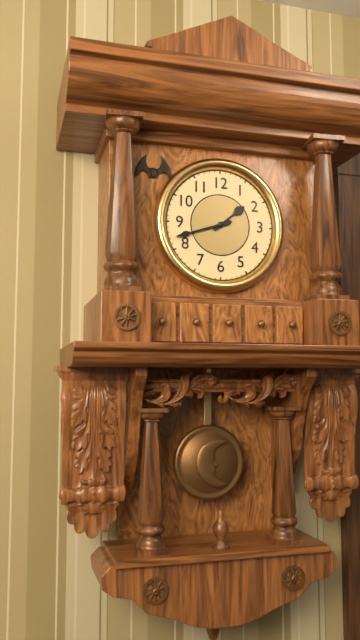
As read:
1:42
